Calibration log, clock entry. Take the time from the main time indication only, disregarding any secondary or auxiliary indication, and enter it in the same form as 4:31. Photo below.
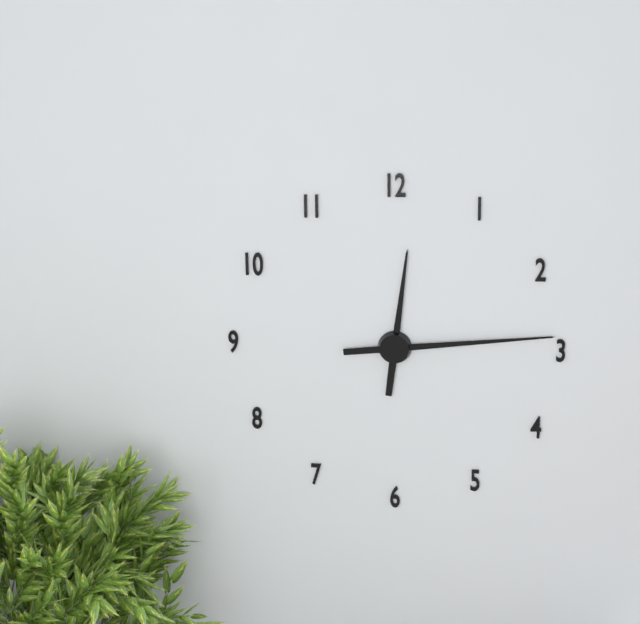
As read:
12:14
